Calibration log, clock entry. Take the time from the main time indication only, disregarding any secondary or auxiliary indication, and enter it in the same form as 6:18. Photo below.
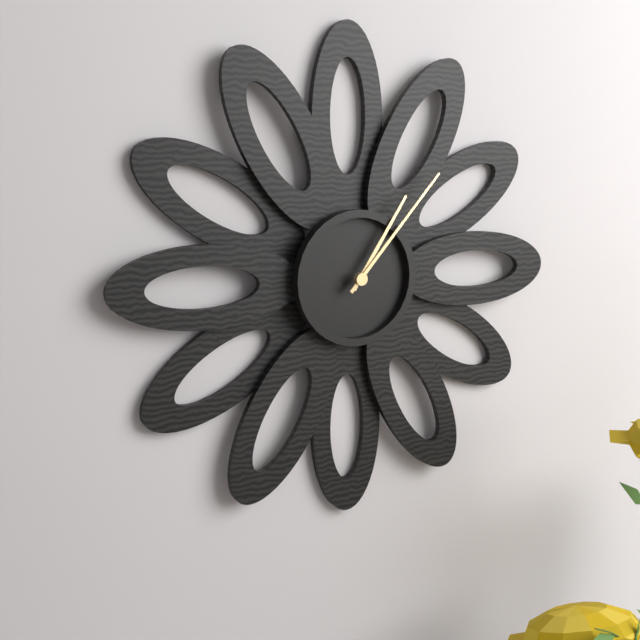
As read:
1:07
